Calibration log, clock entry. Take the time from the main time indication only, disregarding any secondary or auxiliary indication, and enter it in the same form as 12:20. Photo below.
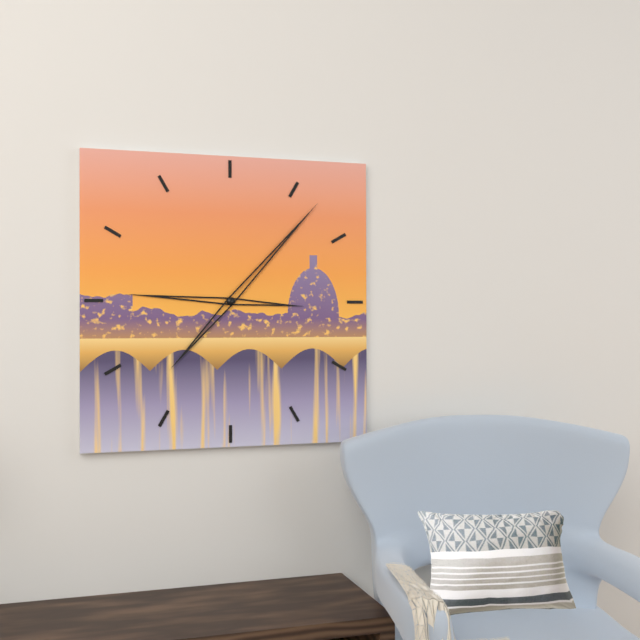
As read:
9:07
